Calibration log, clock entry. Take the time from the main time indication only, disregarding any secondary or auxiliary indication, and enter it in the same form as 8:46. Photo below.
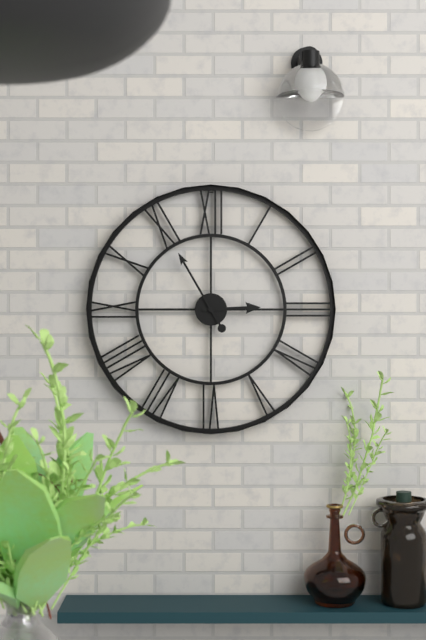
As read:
2:55
